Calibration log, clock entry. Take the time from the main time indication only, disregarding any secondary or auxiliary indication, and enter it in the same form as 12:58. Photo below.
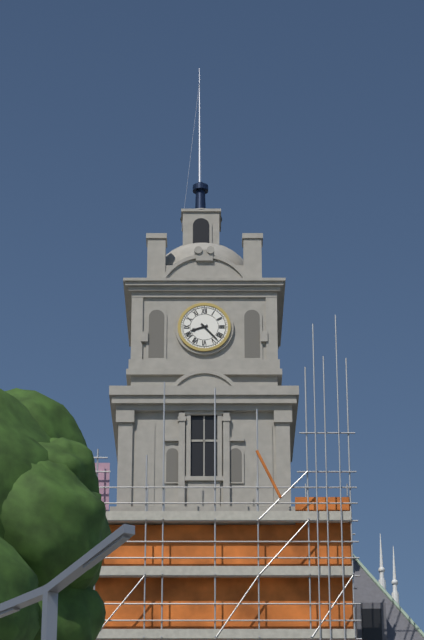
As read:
8:23
